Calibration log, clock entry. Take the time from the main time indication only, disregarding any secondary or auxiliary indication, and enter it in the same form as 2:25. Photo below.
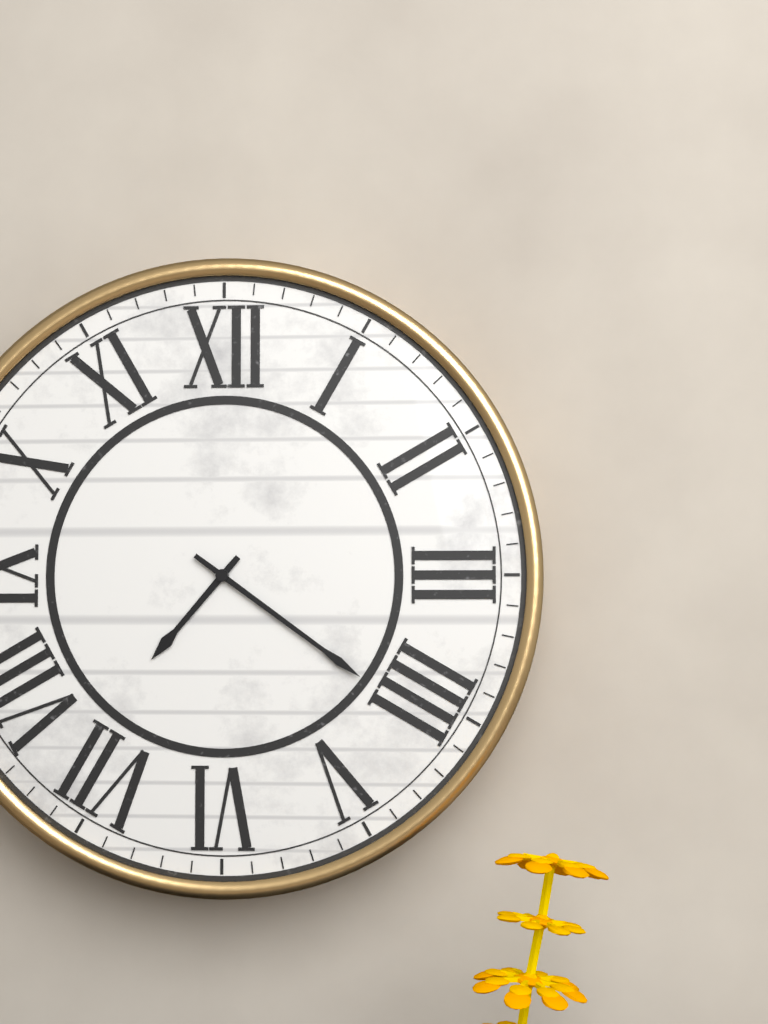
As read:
7:21
